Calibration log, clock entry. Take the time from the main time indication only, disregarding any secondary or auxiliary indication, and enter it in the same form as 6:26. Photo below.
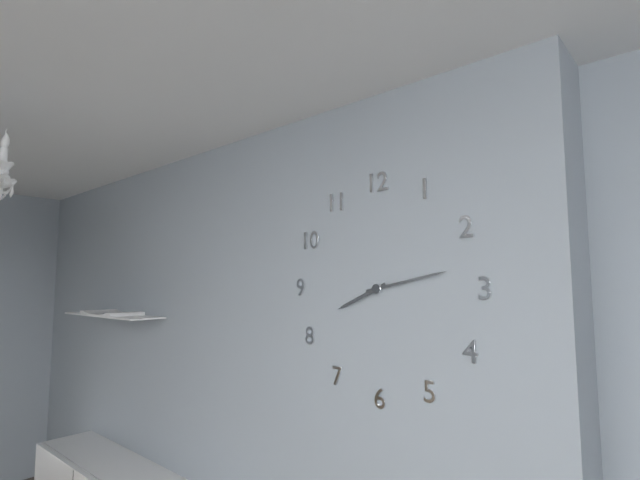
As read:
8:13
